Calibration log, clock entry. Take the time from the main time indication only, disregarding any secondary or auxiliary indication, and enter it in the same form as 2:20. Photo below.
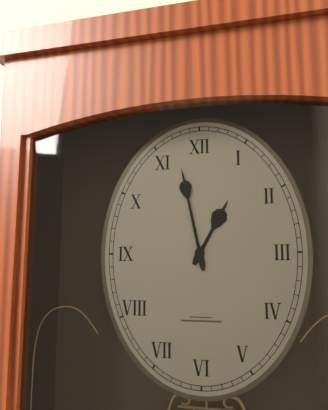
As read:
12:58
